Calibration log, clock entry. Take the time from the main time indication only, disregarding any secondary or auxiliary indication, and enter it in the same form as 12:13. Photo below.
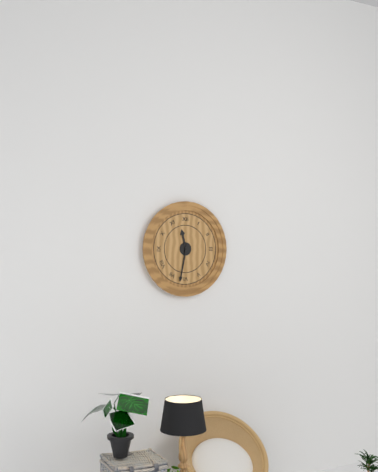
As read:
11:32
